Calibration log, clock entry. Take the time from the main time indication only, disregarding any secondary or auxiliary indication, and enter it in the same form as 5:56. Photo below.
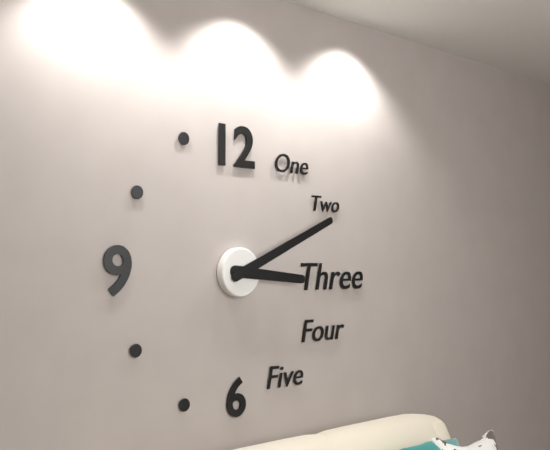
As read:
3:11
